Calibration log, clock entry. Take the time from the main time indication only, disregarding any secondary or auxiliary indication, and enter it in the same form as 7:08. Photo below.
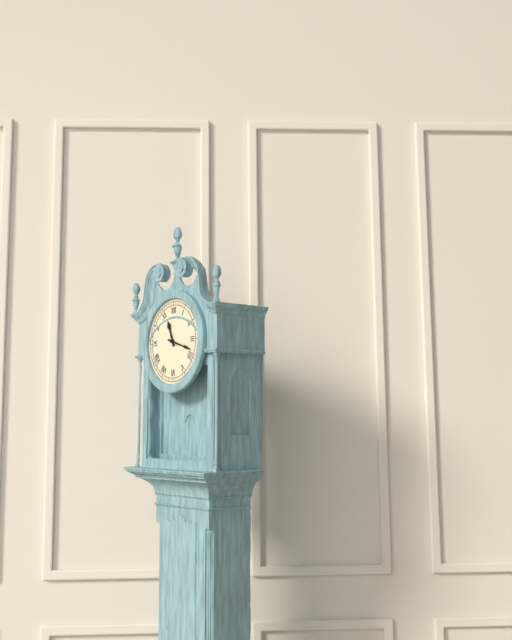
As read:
11:18
